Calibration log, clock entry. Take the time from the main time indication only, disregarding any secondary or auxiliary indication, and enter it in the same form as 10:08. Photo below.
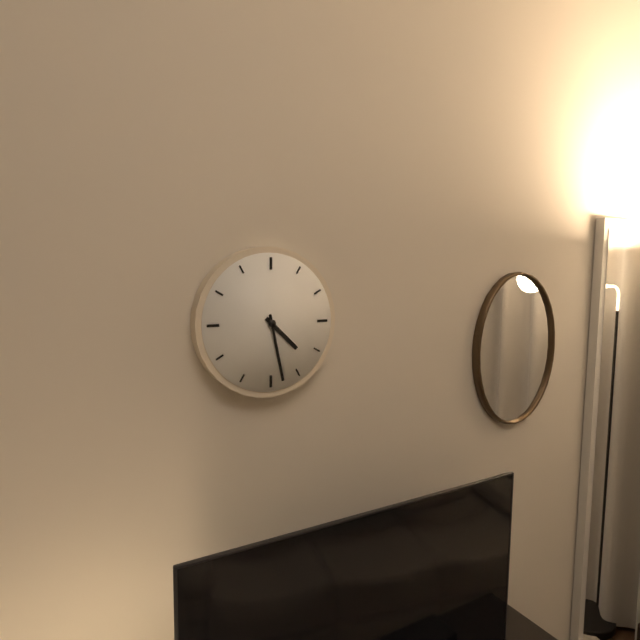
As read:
4:28
